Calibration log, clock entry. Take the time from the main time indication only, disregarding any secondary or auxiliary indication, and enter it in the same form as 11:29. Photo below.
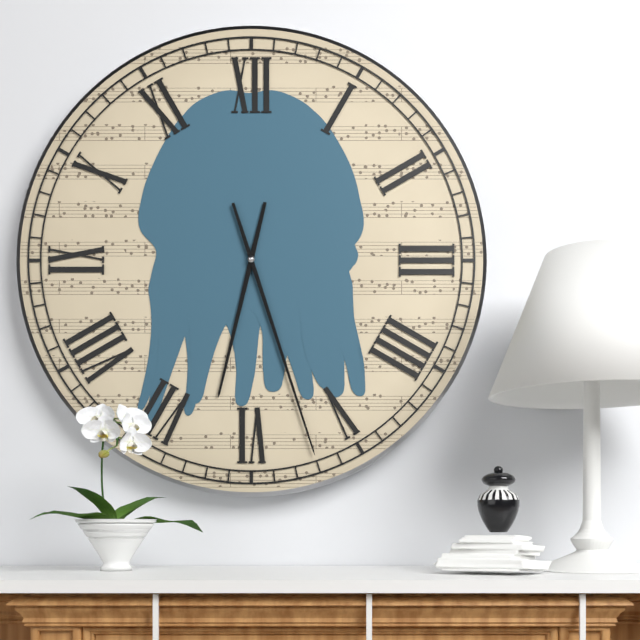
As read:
6:27
